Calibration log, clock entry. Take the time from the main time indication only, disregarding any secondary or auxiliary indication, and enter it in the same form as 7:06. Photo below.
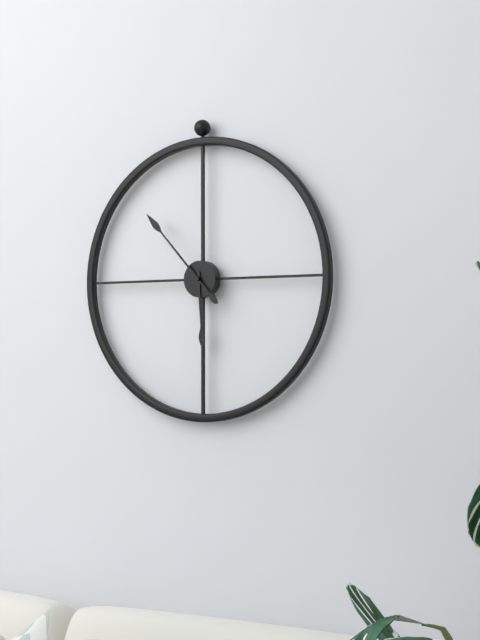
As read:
5:53
